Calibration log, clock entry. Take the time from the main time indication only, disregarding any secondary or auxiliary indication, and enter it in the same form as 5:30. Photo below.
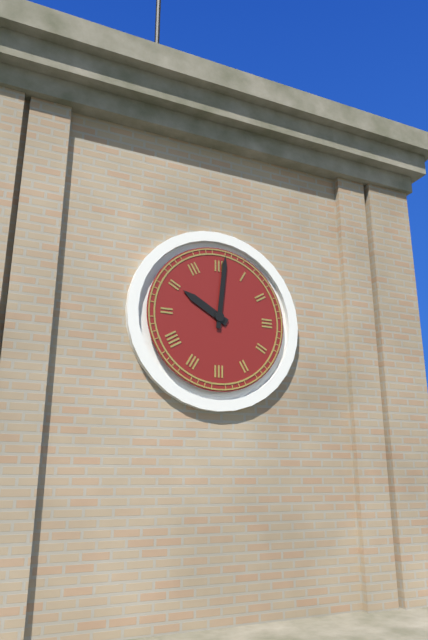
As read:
10:01
